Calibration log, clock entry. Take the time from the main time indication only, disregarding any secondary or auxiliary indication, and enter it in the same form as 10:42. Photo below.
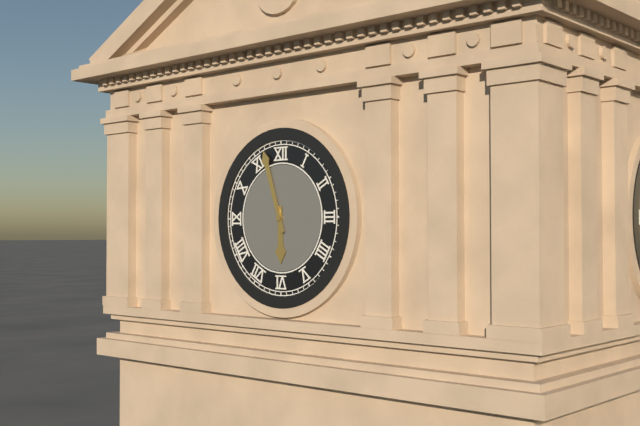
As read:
5:57
